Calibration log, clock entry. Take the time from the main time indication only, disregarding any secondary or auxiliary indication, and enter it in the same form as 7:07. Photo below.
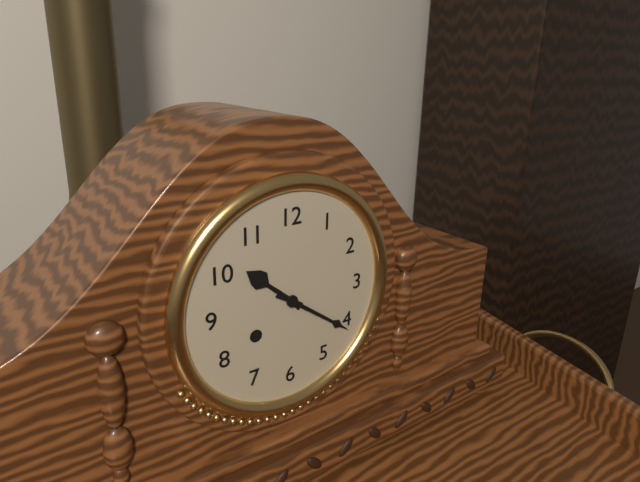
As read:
10:21
